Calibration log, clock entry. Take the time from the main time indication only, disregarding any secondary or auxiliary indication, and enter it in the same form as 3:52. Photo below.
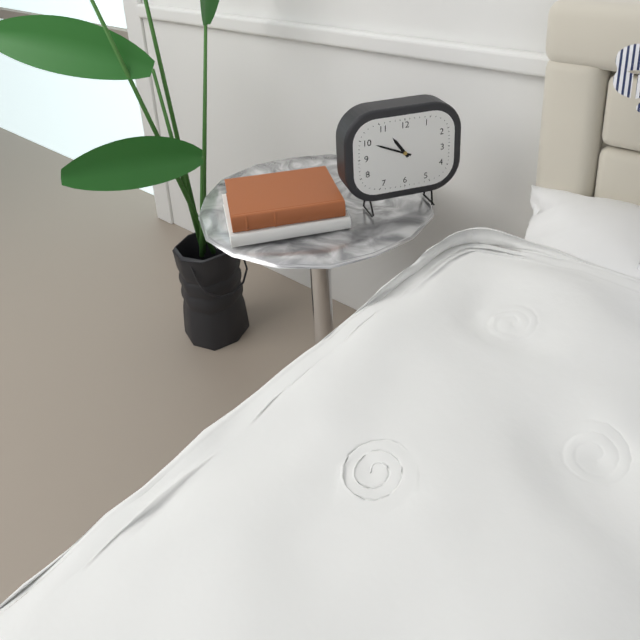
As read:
10:49
